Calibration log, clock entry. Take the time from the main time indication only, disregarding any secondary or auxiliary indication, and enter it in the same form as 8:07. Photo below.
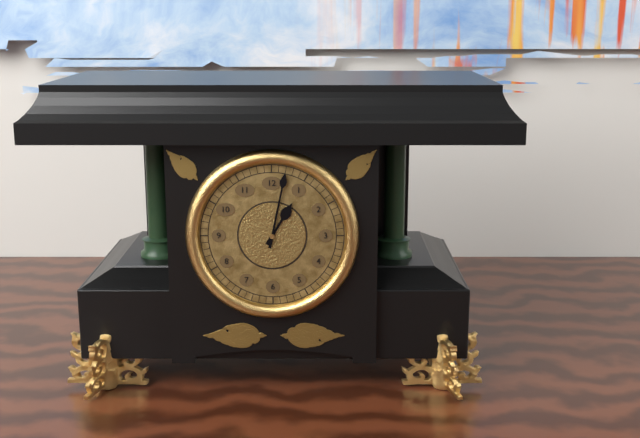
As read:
1:02
